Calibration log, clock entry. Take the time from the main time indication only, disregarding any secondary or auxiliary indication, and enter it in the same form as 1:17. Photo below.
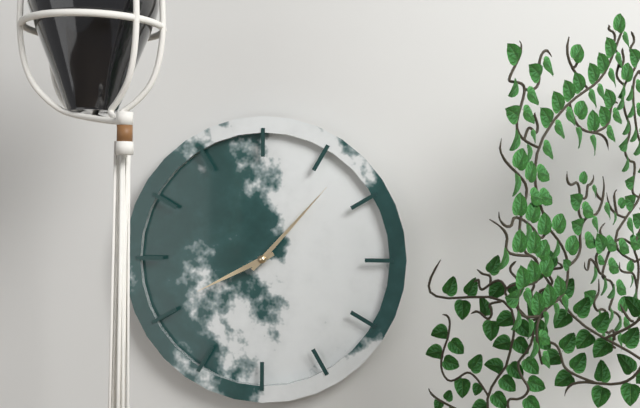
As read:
8:07
